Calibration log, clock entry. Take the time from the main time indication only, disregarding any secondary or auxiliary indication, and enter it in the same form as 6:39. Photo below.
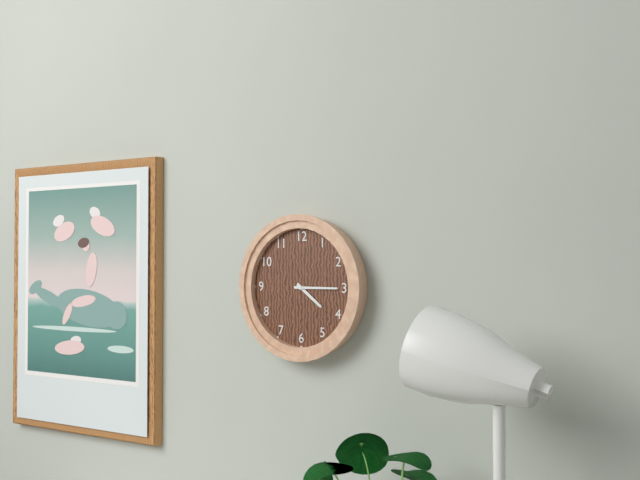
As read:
4:15
